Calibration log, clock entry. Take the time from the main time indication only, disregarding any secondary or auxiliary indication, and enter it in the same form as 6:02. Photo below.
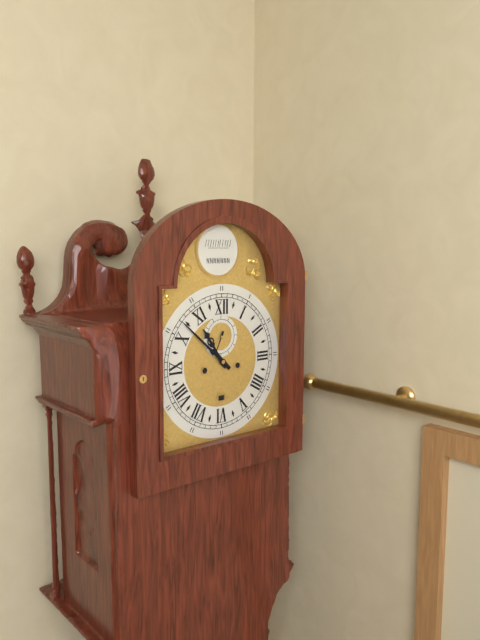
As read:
10:52
